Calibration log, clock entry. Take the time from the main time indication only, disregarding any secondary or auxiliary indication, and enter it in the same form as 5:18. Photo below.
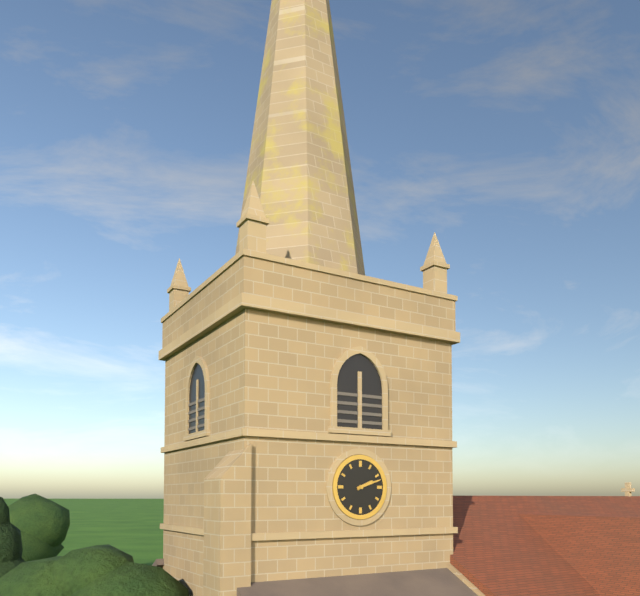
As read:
2:12
